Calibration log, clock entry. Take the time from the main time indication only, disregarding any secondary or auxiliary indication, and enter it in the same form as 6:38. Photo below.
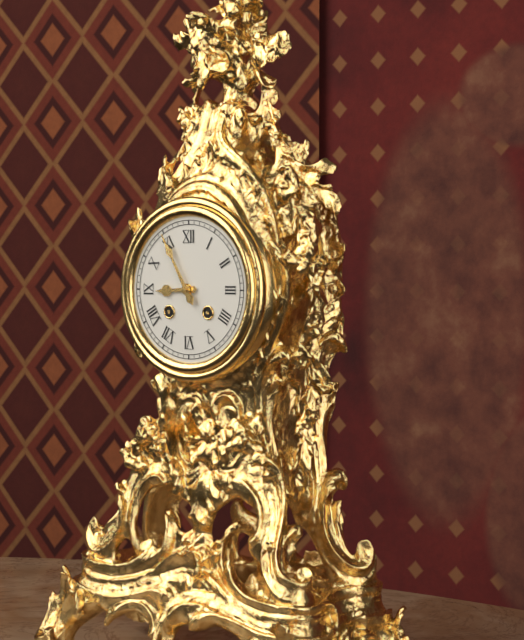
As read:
8:55
